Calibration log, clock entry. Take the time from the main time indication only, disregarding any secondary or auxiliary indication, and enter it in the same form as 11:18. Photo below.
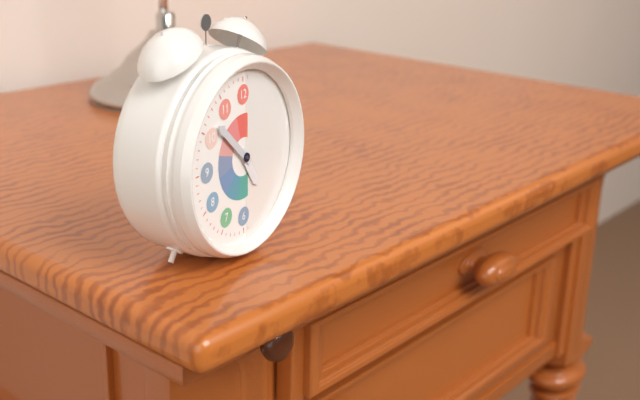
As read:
4:52
